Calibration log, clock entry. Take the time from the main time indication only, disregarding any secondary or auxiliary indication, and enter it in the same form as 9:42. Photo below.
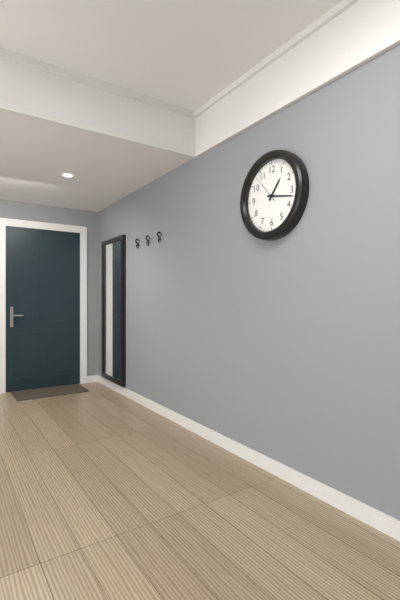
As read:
1:17
